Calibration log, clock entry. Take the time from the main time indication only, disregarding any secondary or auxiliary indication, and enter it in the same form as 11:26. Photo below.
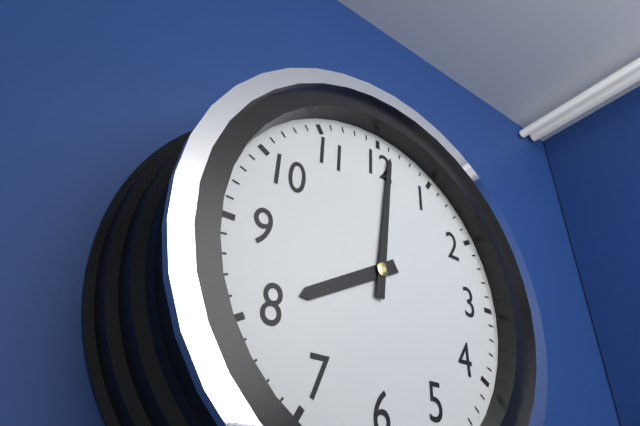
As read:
8:01
